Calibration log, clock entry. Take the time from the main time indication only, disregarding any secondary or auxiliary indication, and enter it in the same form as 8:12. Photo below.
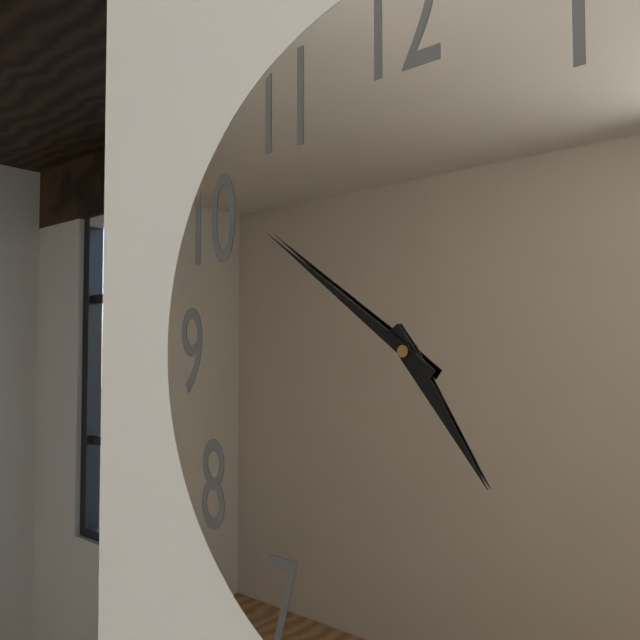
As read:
4:51
